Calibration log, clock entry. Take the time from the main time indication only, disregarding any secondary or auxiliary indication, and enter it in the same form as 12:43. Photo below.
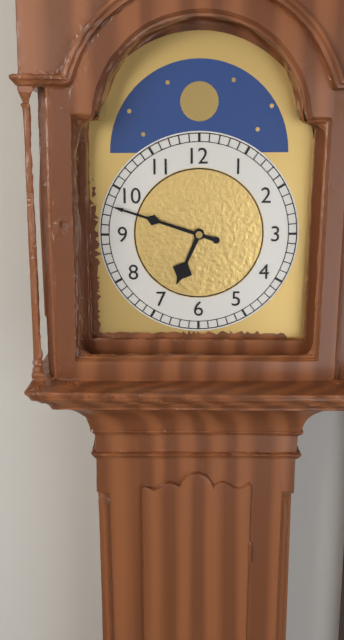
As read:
6:48
